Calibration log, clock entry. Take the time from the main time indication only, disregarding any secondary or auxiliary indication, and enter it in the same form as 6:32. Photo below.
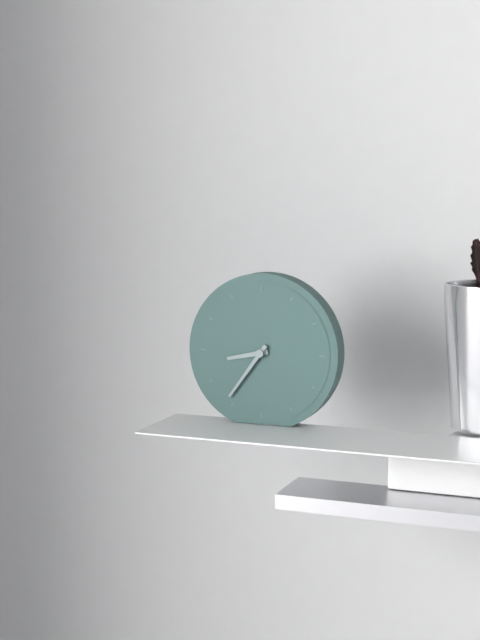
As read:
8:36
